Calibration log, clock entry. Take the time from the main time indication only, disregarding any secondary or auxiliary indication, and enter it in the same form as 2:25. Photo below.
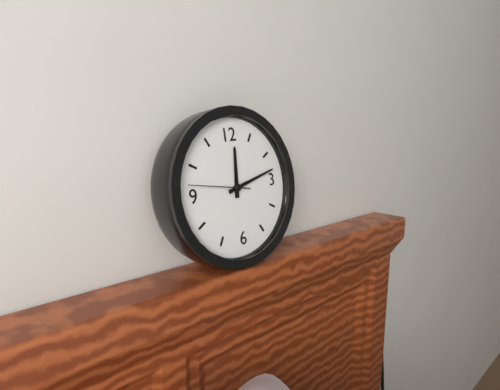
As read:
12:13
